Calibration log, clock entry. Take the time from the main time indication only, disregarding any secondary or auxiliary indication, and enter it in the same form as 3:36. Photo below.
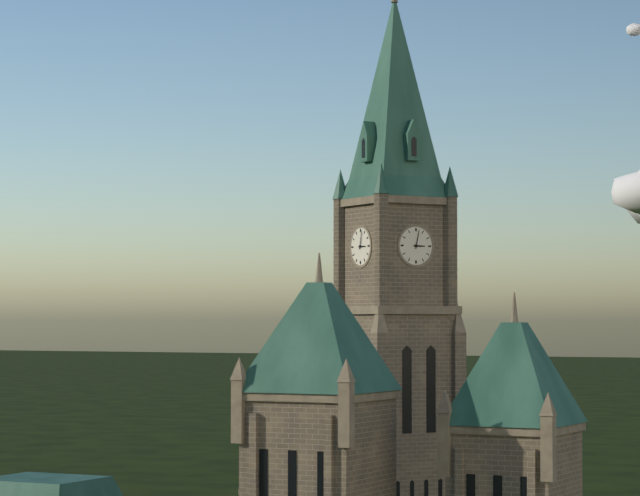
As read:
3:02
